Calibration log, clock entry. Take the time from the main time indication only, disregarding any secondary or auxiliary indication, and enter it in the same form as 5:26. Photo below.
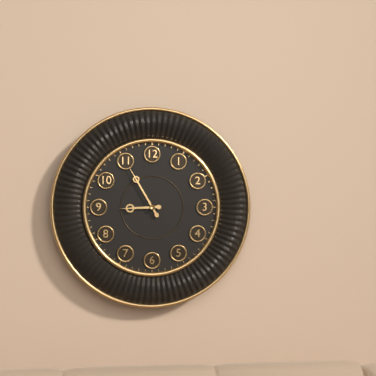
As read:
8:55
